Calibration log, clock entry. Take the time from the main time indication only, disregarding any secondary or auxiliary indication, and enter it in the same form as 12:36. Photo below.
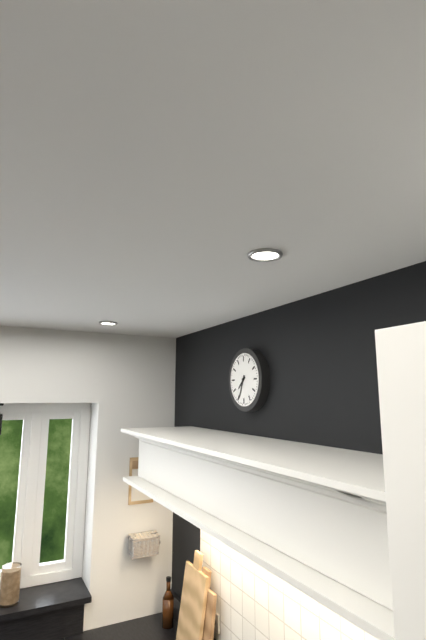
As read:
7:34
